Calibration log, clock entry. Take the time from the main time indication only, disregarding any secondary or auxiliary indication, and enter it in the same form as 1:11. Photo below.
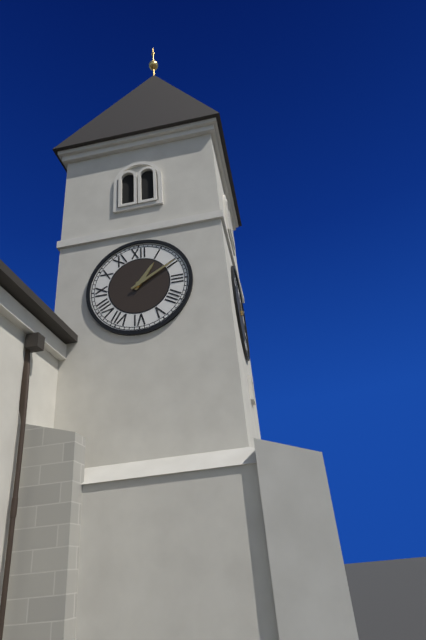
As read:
1:10
